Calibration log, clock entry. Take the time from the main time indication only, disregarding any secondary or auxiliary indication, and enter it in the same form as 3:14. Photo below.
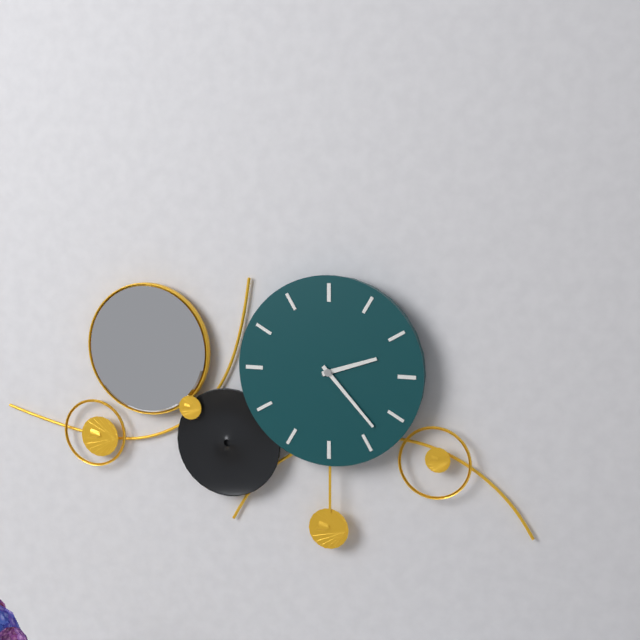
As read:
2:23
